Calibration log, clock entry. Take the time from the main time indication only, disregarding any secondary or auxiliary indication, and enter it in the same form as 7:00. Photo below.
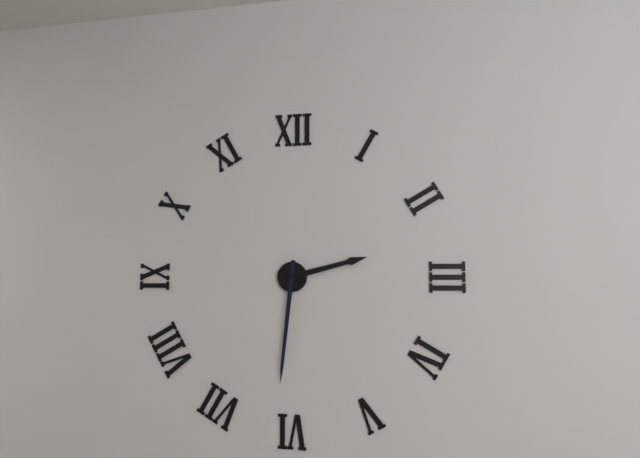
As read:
2:31
